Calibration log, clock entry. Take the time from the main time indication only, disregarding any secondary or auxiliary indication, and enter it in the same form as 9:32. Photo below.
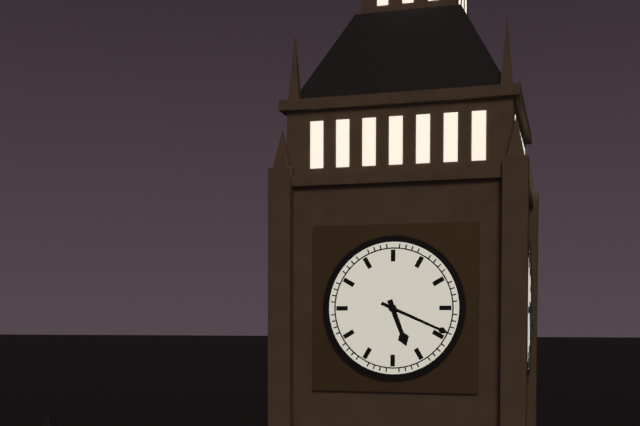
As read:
5:19
